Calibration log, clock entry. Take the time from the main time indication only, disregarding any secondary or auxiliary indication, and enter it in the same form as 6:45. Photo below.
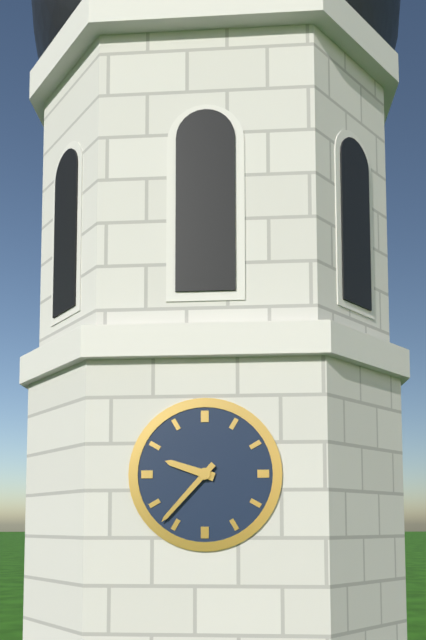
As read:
9:37
